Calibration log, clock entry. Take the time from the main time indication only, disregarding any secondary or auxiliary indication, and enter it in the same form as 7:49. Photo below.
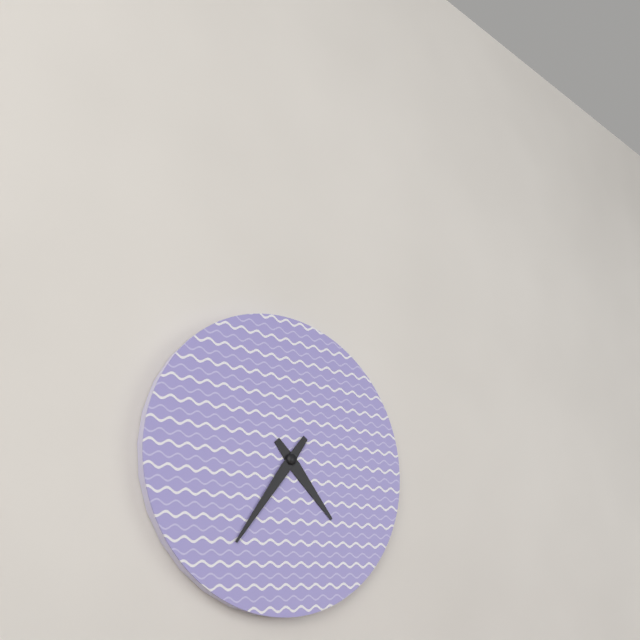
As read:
4:36
